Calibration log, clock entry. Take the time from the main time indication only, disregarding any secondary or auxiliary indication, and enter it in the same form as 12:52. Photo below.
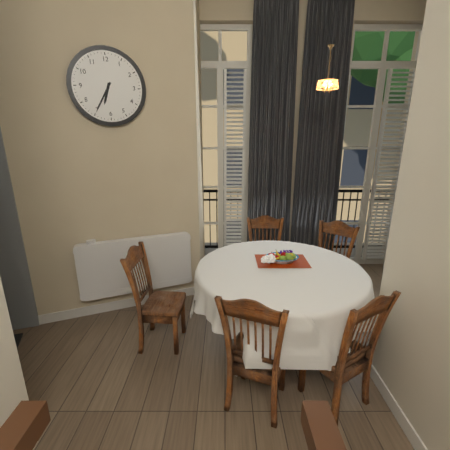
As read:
6:35
